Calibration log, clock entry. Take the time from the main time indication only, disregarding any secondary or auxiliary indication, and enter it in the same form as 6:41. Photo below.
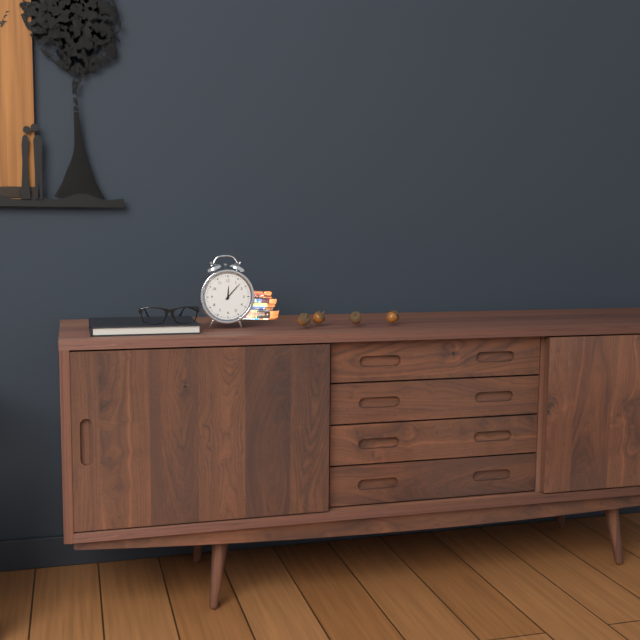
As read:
12:07
